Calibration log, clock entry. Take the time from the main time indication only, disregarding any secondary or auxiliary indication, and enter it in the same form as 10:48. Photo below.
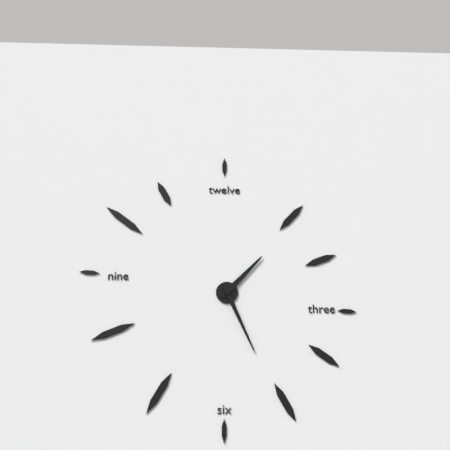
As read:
1:26
